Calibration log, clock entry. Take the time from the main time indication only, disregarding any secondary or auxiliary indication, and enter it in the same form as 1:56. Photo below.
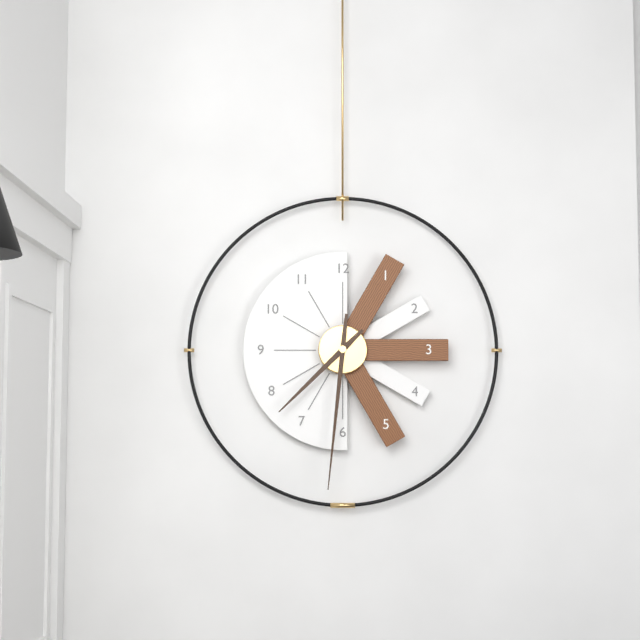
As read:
7:31
